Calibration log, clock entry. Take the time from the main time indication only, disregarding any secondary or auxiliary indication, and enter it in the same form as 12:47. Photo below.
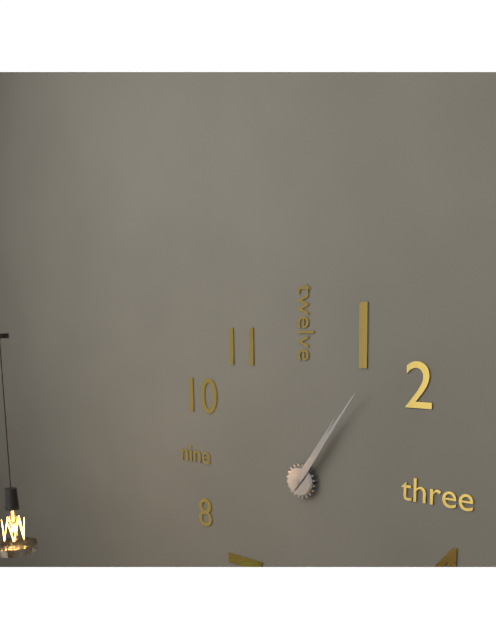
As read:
1:06
